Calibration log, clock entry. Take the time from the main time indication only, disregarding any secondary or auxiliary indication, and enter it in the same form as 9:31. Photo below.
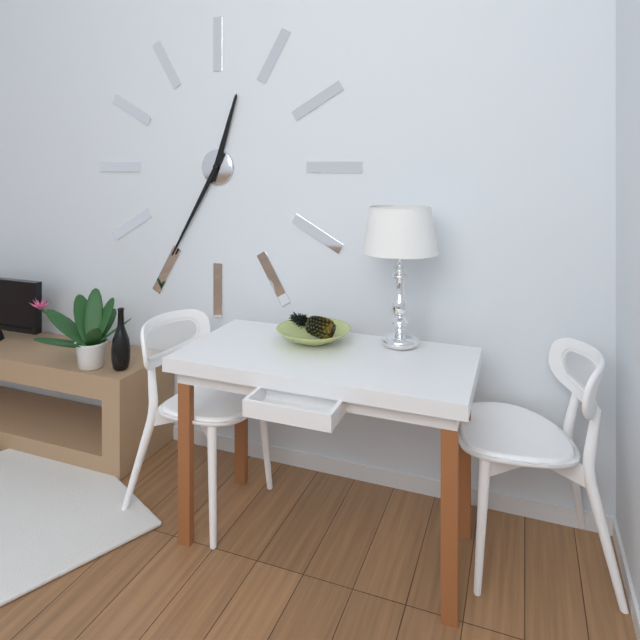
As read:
12:35
